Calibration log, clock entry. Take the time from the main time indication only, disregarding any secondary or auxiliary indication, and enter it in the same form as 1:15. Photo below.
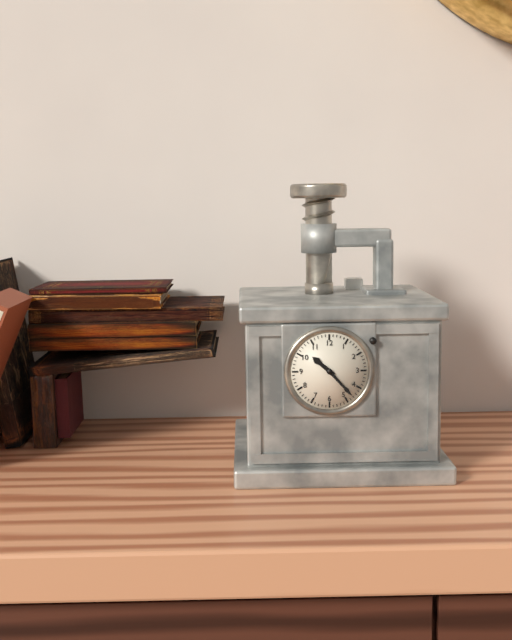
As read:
10:23
